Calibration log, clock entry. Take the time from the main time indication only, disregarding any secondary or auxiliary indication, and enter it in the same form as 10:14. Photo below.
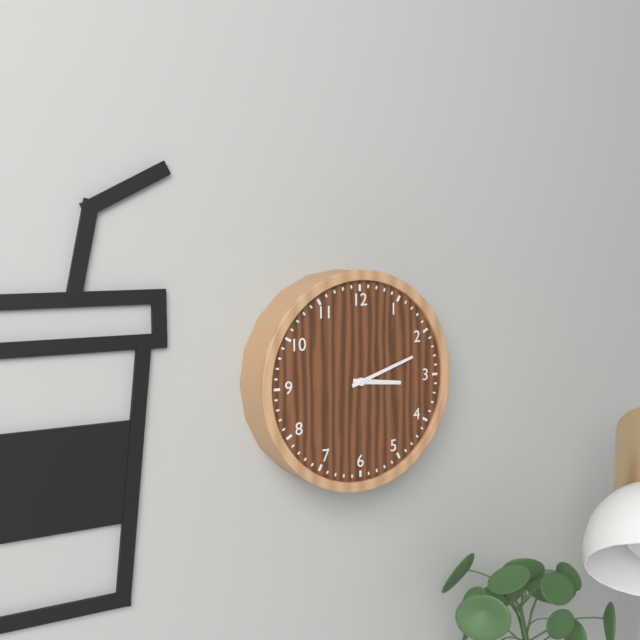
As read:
3:12
